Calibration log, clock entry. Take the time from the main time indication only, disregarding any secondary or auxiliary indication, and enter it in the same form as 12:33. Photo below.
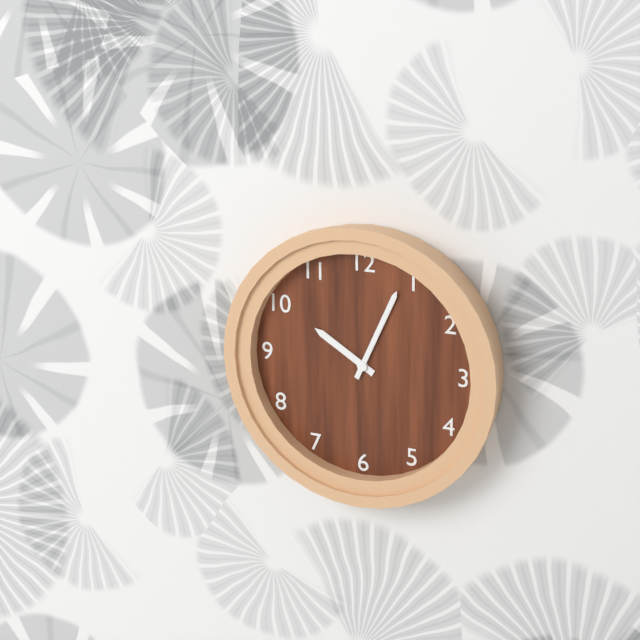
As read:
10:04
